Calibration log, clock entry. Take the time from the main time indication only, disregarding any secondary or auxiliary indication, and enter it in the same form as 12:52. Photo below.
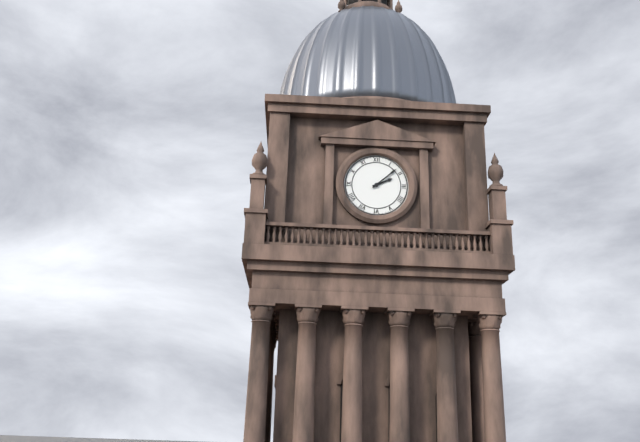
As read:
2:08
